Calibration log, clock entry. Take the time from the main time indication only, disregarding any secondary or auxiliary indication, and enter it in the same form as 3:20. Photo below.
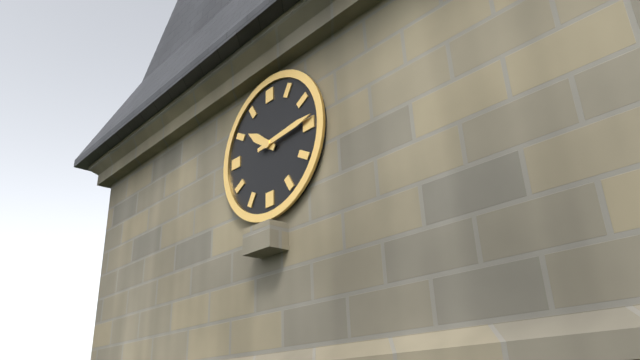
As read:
10:14
